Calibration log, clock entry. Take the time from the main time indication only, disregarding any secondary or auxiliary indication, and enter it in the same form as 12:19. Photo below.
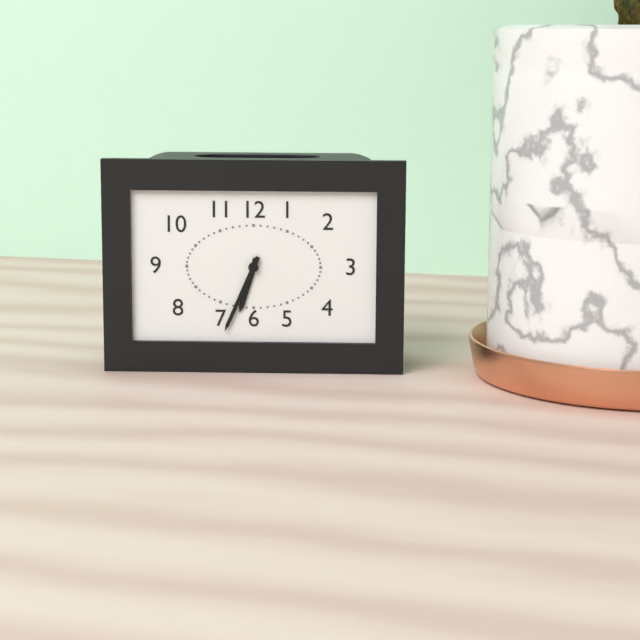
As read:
6:34
